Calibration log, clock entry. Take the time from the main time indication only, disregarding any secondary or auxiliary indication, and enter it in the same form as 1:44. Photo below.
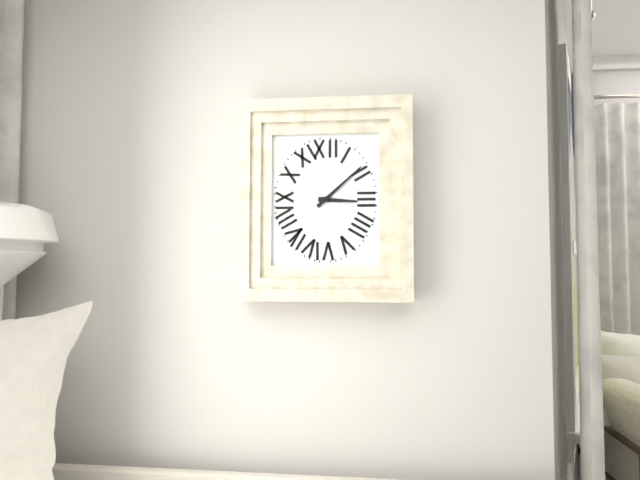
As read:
3:08
